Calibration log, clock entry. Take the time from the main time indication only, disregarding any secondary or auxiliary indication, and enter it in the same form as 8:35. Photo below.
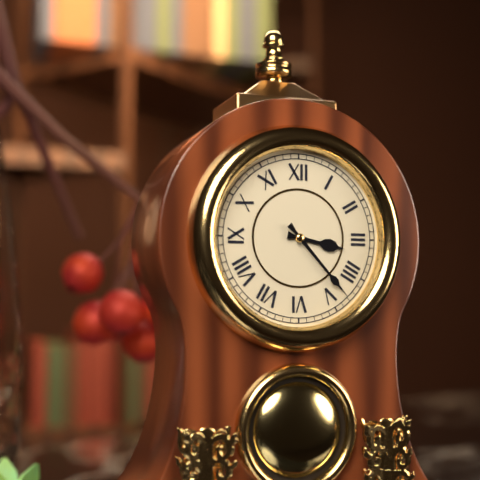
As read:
3:23
